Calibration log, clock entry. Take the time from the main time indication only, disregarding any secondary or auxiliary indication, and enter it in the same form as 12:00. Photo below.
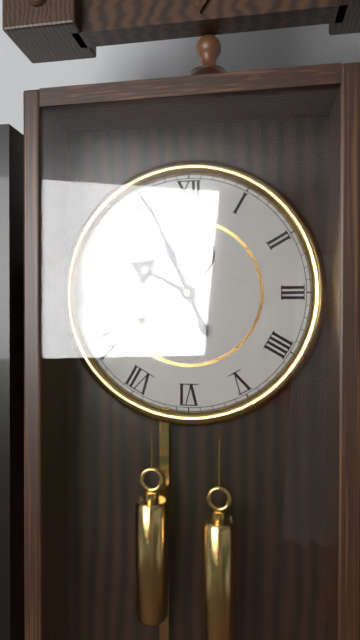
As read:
9:56
